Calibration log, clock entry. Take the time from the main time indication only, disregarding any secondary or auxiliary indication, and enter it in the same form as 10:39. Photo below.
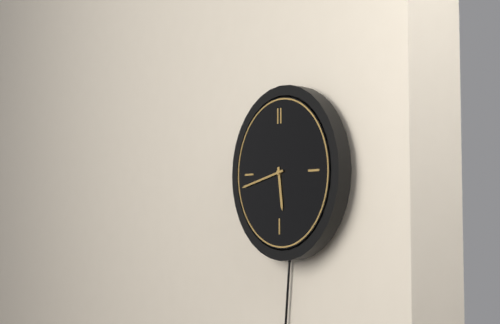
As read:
5:43
